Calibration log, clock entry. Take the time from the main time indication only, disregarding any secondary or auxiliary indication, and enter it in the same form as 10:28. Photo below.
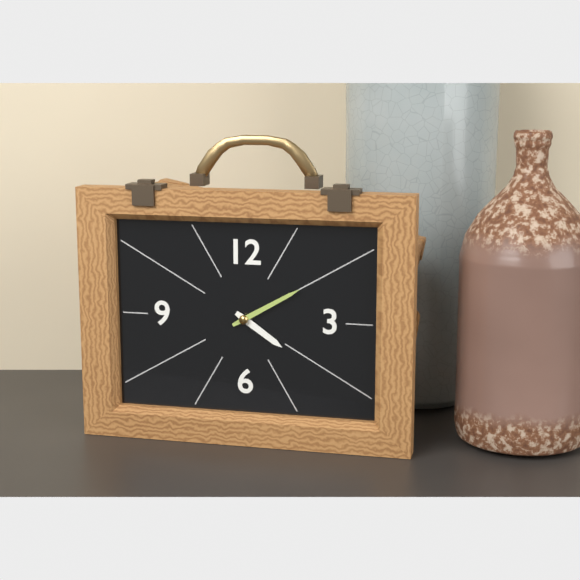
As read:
4:10
